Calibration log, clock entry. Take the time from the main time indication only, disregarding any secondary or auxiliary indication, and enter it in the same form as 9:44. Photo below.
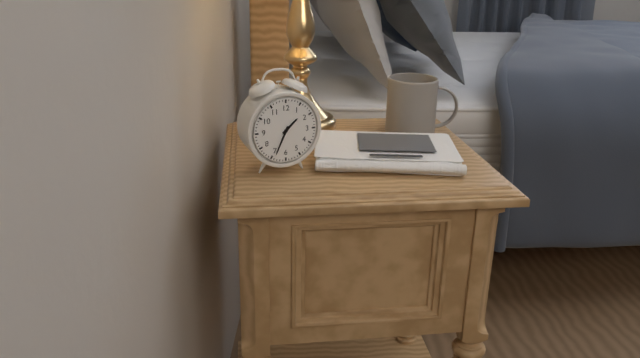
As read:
1:34
